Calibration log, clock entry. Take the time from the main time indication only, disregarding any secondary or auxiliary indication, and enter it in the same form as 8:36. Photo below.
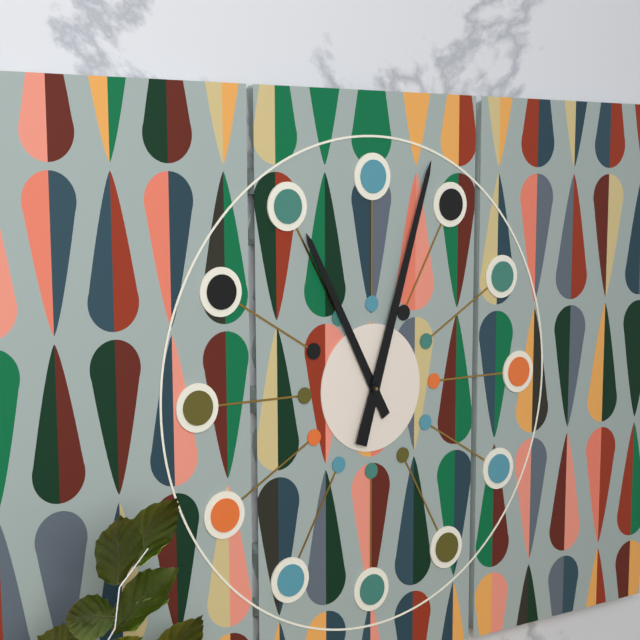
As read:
11:03
